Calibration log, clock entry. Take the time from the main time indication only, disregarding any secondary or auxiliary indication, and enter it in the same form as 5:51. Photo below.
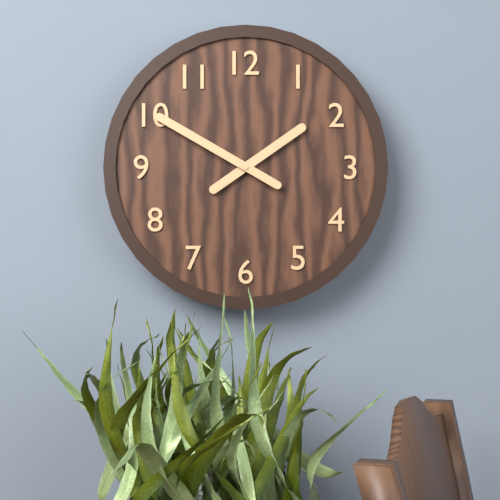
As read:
1:50
